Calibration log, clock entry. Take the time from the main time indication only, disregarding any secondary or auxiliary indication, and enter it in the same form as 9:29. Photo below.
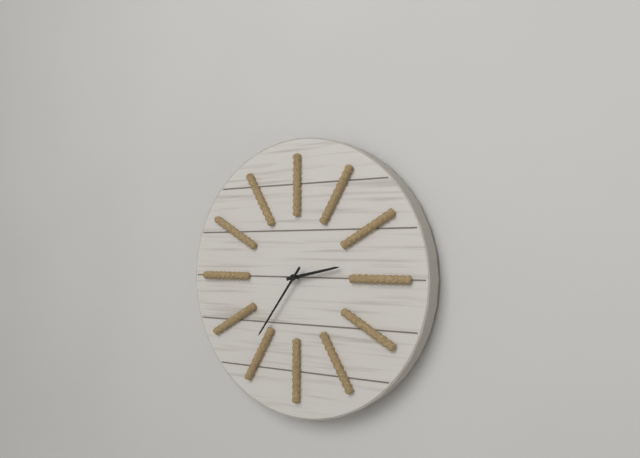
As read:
2:36
